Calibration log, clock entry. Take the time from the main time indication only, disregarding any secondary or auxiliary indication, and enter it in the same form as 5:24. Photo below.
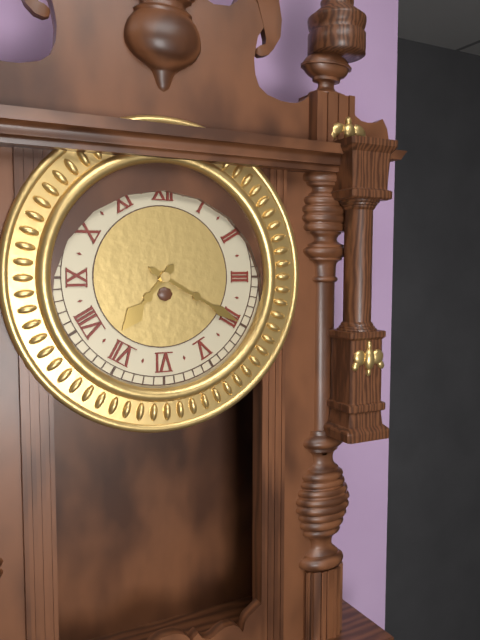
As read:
7:20
